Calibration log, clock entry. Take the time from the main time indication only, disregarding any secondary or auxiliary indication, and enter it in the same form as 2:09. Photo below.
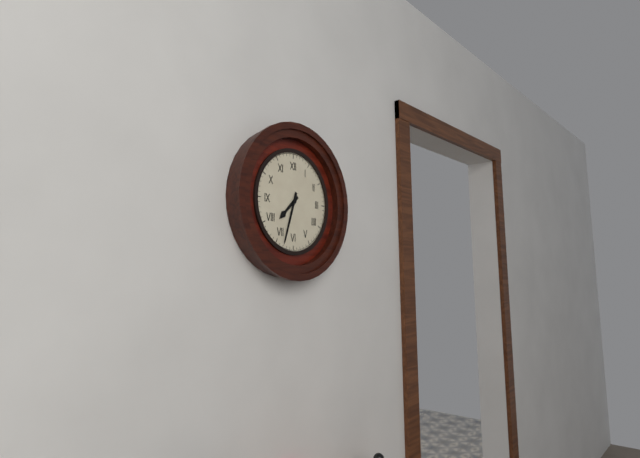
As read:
7:33
